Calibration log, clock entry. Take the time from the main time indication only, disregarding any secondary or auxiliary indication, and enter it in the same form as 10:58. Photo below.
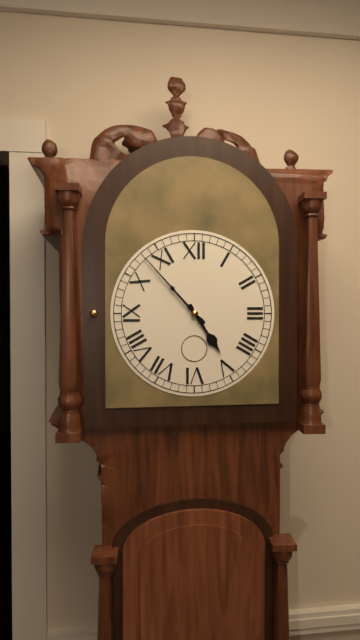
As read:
4:53
